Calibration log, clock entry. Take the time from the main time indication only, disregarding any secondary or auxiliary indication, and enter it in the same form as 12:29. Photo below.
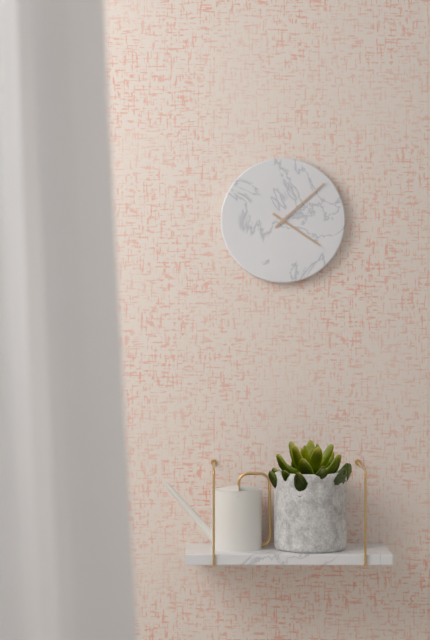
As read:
4:08
